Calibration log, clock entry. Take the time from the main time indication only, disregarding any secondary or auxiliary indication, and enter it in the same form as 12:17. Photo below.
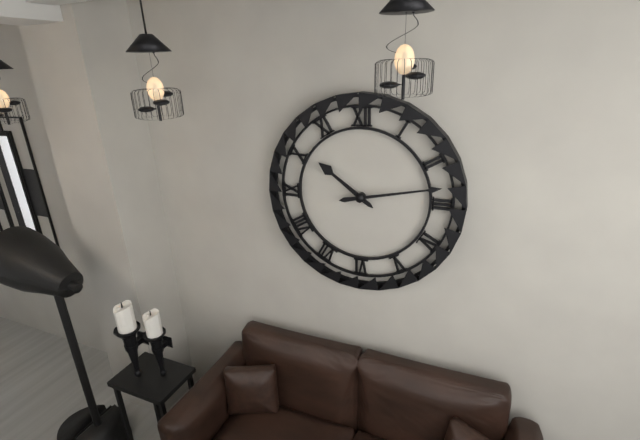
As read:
10:13
